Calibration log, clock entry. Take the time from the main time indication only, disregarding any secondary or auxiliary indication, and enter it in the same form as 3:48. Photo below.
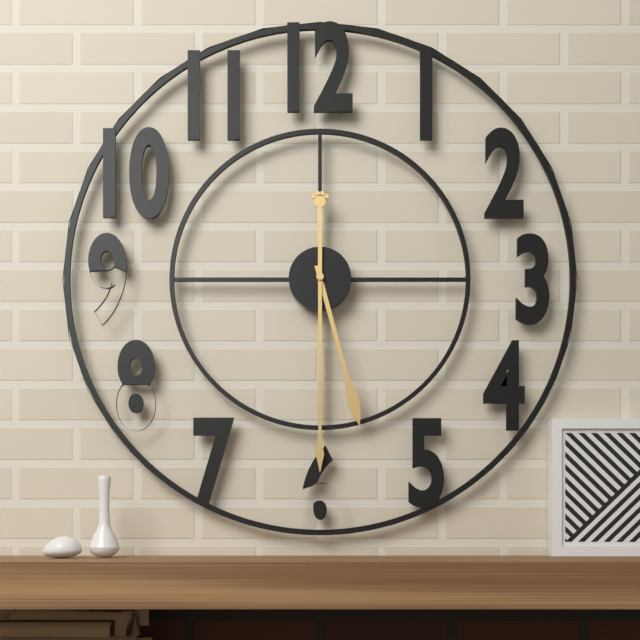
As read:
5:30
